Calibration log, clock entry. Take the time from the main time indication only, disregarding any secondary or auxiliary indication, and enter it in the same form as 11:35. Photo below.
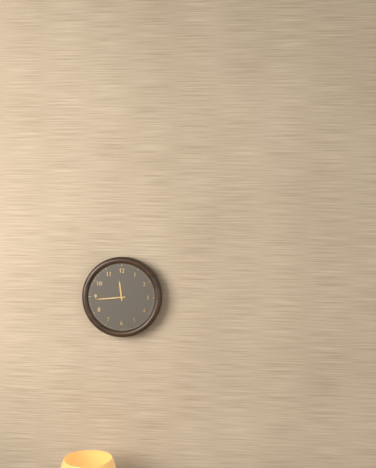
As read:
11:44
